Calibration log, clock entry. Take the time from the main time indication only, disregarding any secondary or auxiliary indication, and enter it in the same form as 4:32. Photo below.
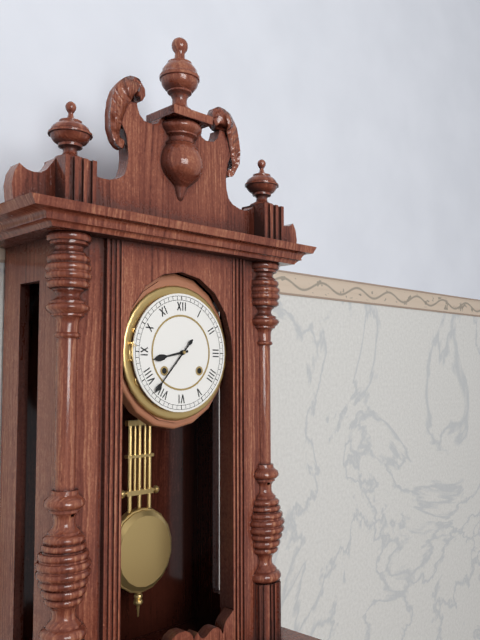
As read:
8:37
